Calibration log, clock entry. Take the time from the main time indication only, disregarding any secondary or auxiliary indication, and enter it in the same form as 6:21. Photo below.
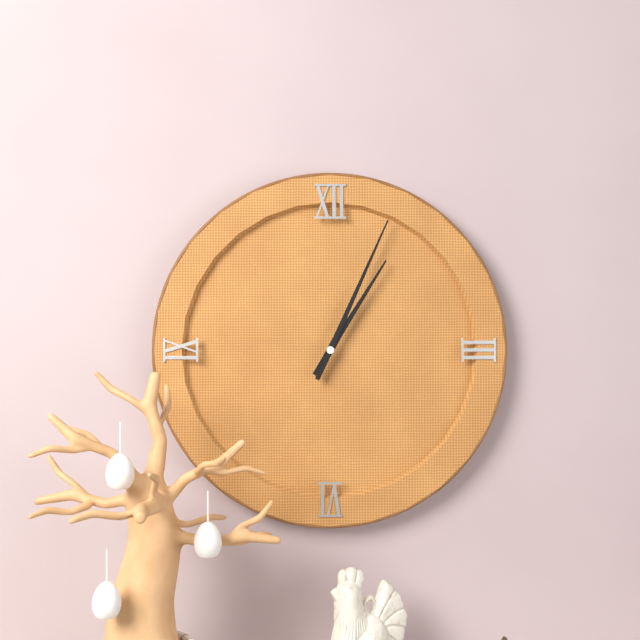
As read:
1:04
